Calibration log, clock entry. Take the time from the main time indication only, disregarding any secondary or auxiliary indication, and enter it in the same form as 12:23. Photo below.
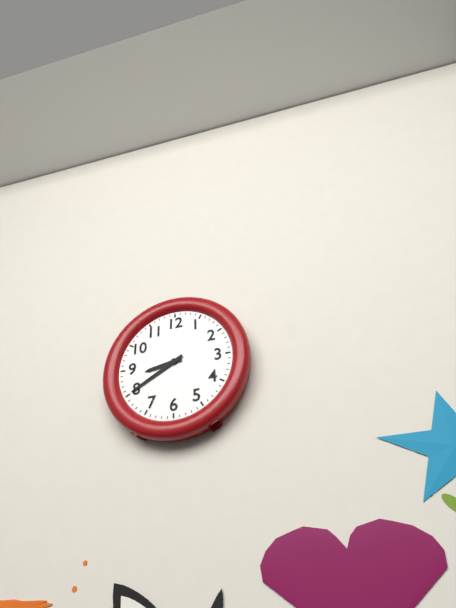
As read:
8:40
